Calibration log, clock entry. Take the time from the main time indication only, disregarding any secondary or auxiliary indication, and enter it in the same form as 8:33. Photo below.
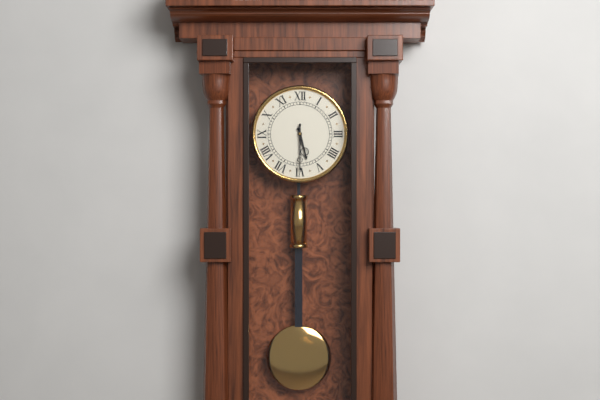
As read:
5:30
